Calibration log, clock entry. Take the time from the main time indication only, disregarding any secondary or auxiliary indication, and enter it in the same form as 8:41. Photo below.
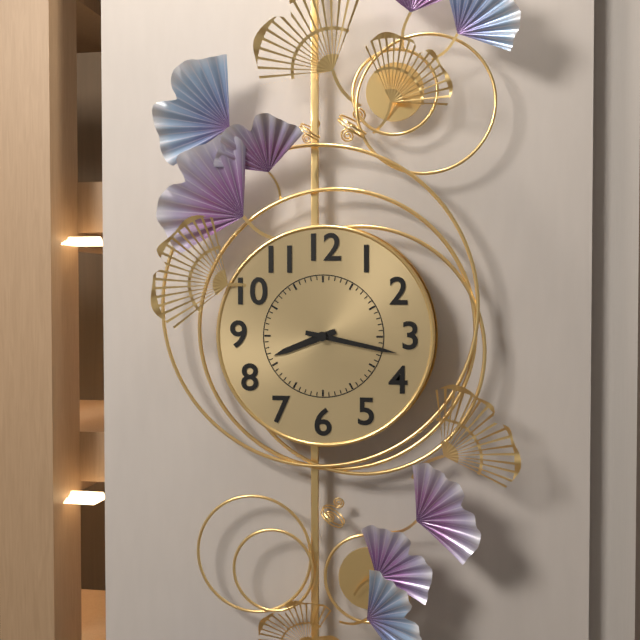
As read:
8:17
